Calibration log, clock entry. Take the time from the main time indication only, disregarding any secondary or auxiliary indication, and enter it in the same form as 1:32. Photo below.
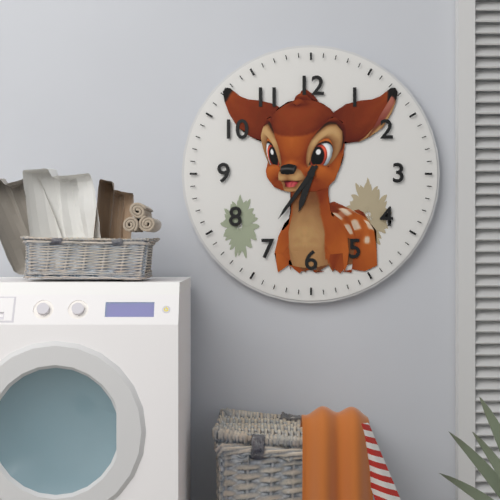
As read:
6:36
